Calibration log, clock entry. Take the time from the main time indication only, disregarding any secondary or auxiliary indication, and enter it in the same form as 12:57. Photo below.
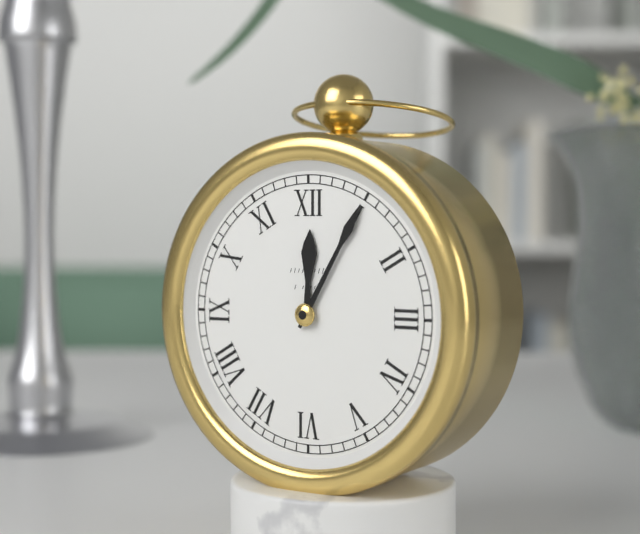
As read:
12:05
